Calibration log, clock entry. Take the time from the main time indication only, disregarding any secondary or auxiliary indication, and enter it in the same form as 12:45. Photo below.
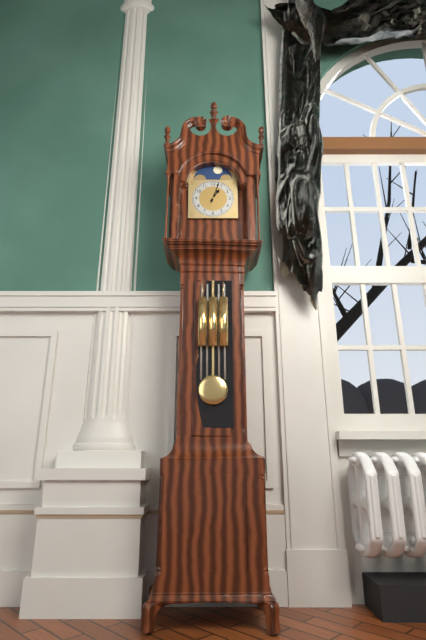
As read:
1:03
